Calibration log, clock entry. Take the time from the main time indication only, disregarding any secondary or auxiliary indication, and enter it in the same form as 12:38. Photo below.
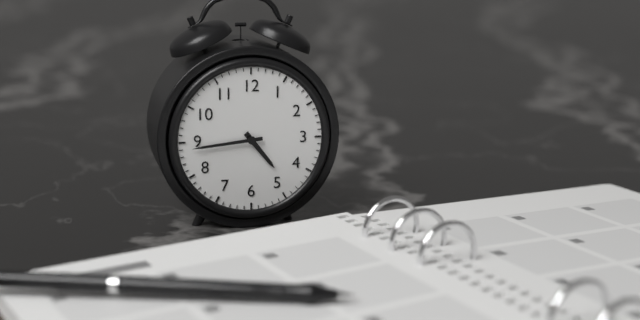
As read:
4:44
